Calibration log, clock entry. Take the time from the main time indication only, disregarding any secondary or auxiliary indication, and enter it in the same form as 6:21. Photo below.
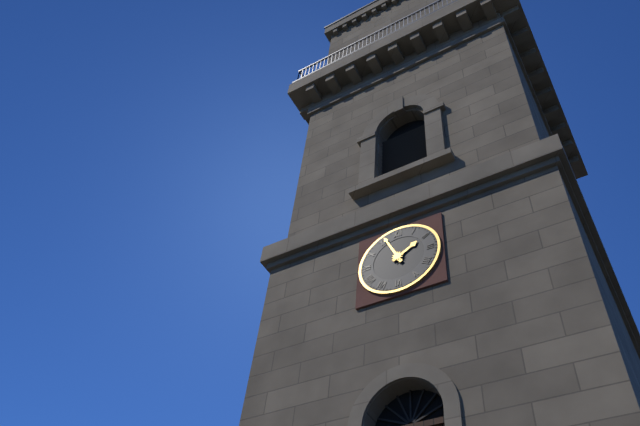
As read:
1:56
